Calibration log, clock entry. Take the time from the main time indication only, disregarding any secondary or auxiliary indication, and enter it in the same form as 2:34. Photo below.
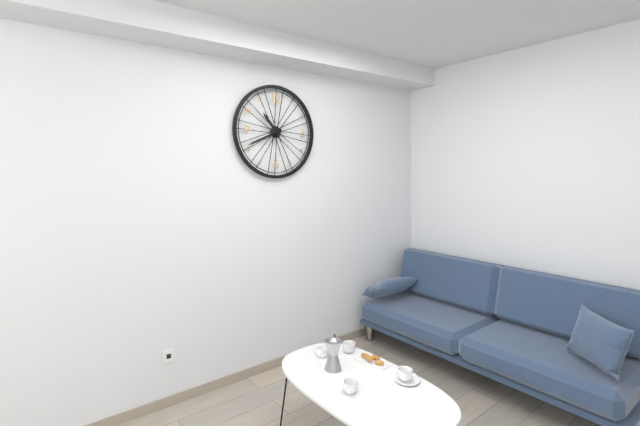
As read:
10:41
